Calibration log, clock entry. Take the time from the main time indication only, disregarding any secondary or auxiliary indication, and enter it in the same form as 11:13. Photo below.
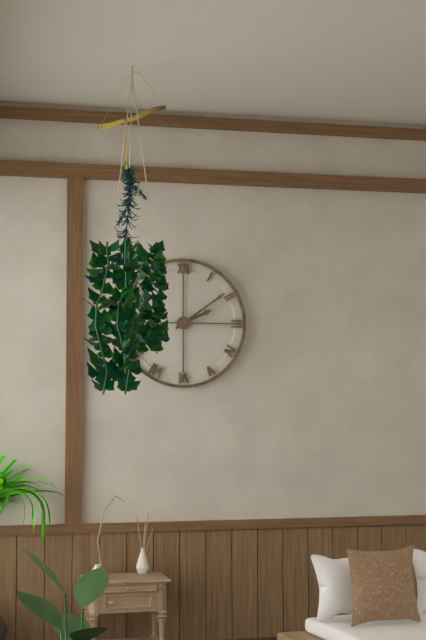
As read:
2:09
